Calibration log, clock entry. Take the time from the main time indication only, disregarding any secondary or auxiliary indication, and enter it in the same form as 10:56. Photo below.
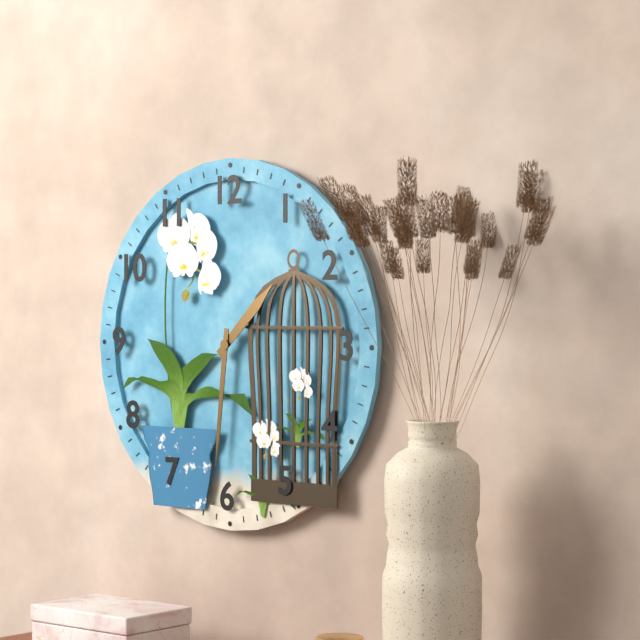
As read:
1:31
